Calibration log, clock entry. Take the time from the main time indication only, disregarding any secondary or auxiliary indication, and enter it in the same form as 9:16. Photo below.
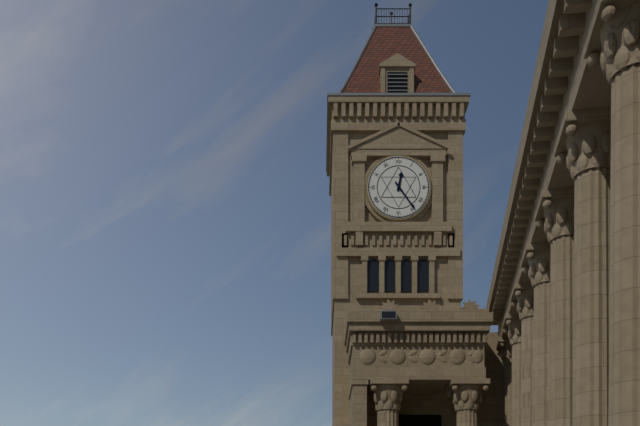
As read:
12:24
